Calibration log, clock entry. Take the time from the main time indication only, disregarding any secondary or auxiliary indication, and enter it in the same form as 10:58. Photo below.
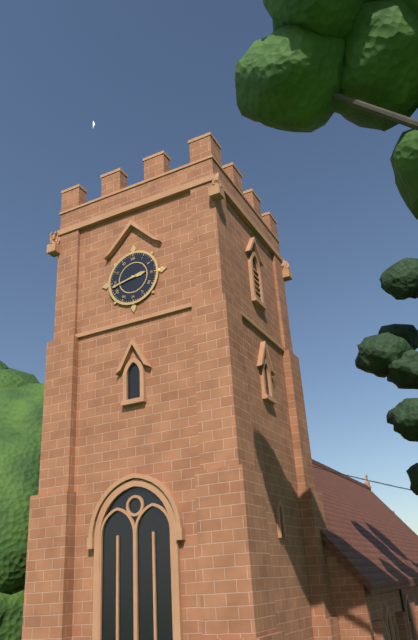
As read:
2:43
